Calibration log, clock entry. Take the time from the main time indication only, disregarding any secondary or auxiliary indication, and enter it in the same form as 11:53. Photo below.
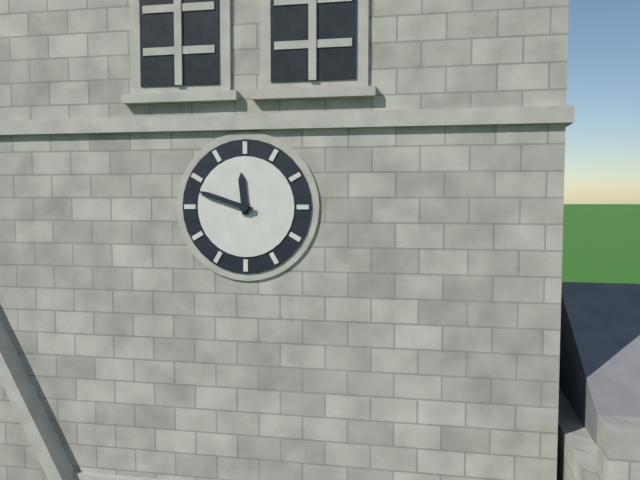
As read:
11:48
